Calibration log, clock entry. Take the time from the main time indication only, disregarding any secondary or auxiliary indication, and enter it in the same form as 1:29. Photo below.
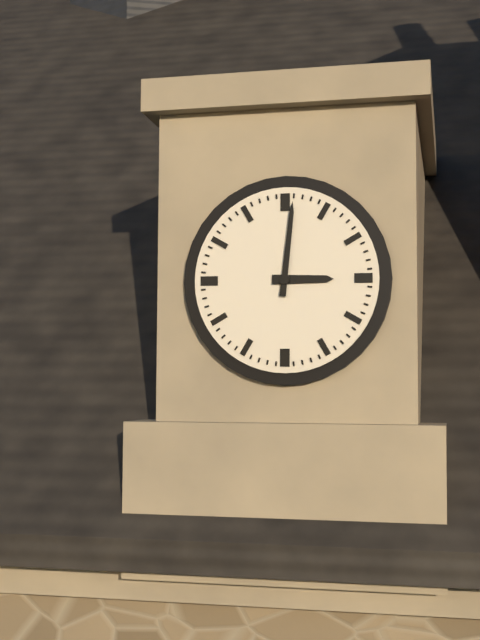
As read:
3:01
